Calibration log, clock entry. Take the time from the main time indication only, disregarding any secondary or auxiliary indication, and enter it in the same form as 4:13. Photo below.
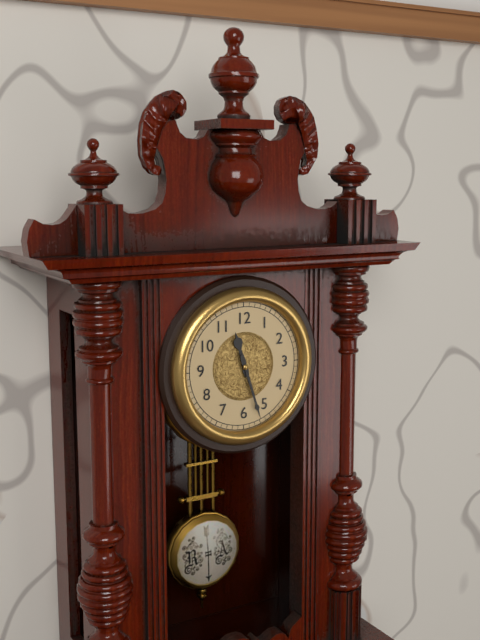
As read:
11:27
